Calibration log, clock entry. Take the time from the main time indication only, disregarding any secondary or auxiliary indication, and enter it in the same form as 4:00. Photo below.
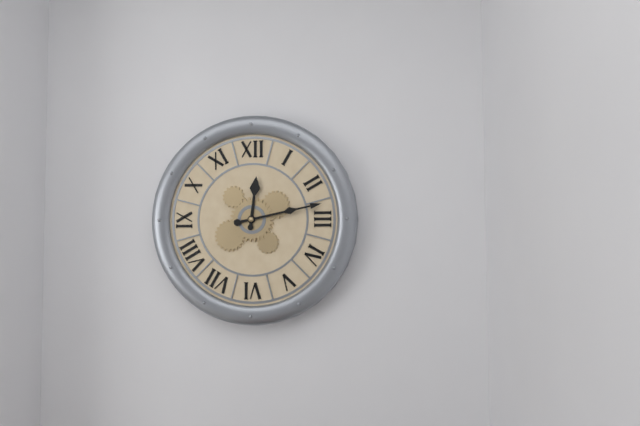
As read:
12:13
